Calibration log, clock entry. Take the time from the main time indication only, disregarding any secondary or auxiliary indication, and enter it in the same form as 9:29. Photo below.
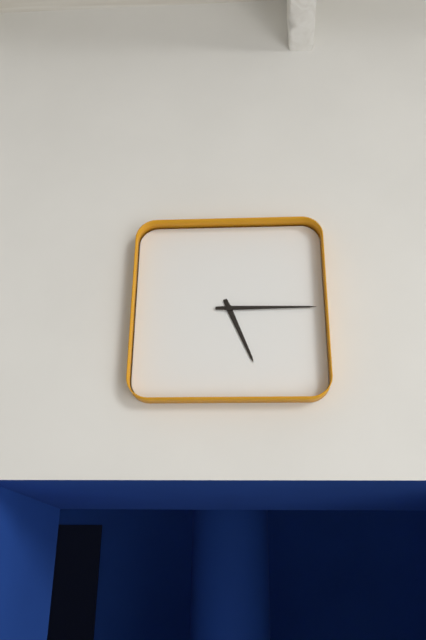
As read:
5:15
